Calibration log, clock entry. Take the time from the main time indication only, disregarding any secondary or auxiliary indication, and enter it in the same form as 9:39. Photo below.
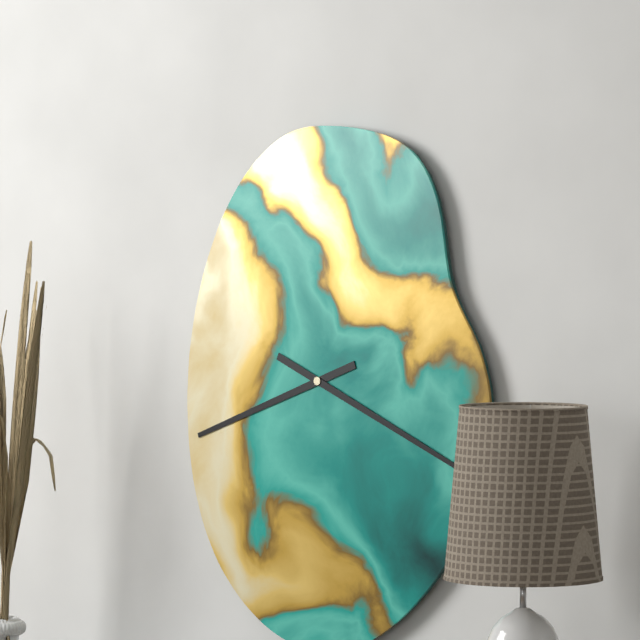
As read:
8:19
